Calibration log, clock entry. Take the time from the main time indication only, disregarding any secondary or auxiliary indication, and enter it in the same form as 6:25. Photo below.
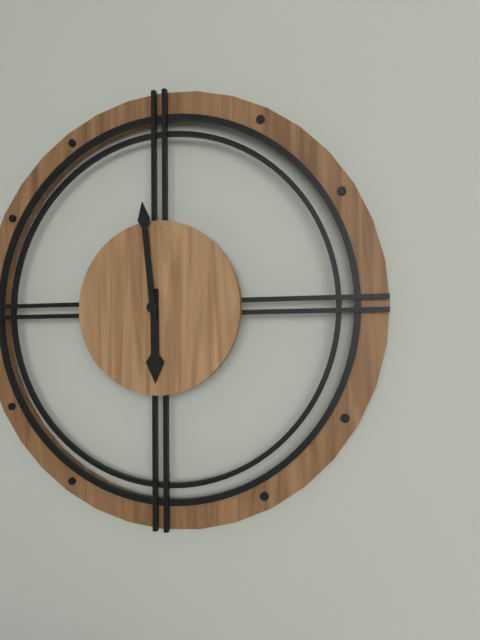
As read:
5:59
